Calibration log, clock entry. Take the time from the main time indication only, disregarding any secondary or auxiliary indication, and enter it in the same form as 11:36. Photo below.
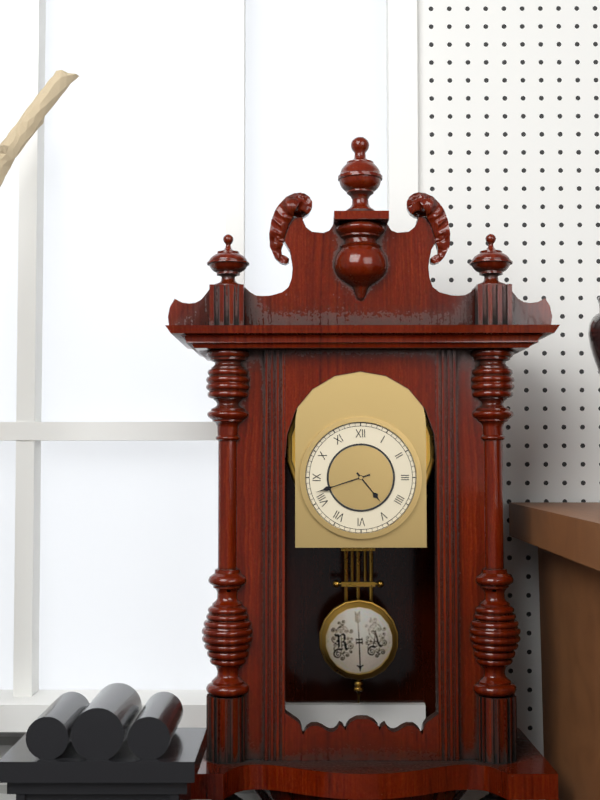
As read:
4:42
